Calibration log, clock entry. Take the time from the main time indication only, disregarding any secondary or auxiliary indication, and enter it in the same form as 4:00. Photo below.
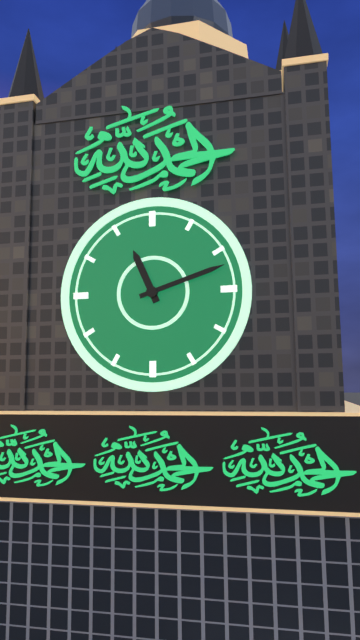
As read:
11:12
